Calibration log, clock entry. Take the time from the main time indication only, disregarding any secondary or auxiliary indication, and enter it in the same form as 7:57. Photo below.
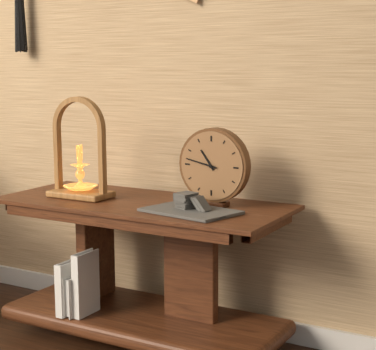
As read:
10:47
